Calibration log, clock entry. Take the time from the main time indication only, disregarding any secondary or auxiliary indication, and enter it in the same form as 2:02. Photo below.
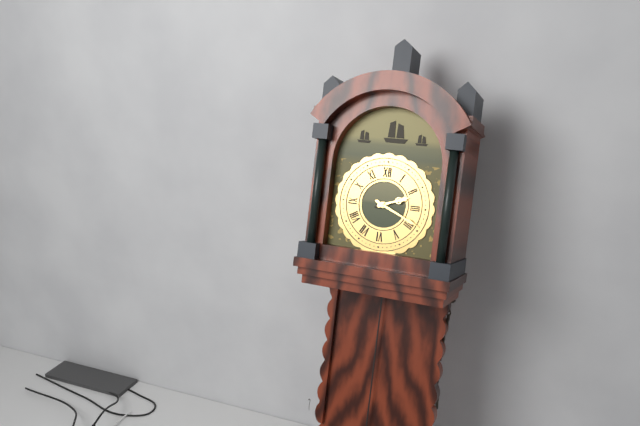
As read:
2:19
